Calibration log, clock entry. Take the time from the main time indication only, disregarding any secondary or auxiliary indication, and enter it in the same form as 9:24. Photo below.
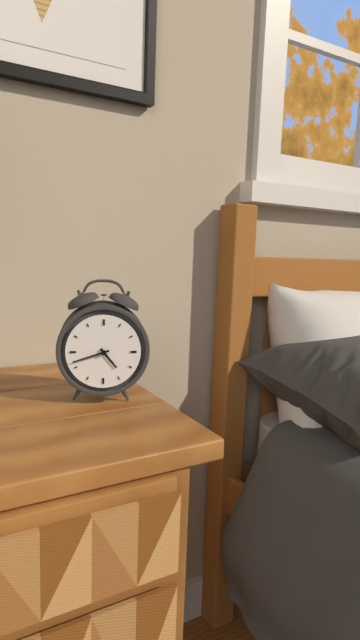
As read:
4:42
